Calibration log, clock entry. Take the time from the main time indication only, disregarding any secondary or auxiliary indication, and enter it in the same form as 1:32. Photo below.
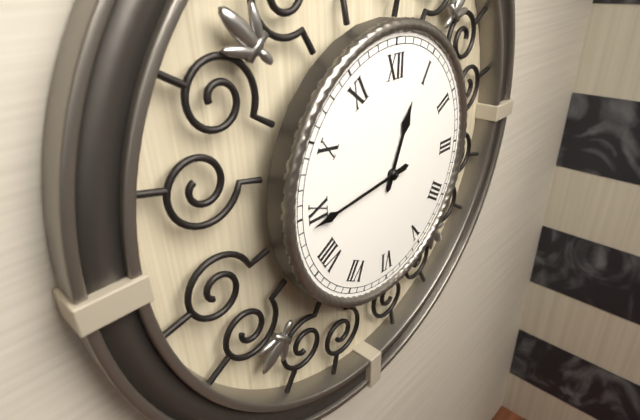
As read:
12:44
